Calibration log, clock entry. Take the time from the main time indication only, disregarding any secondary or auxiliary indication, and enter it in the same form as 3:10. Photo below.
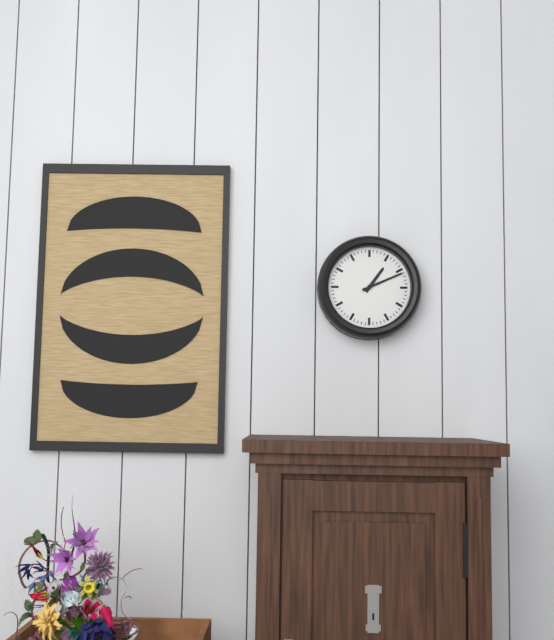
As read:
1:11
